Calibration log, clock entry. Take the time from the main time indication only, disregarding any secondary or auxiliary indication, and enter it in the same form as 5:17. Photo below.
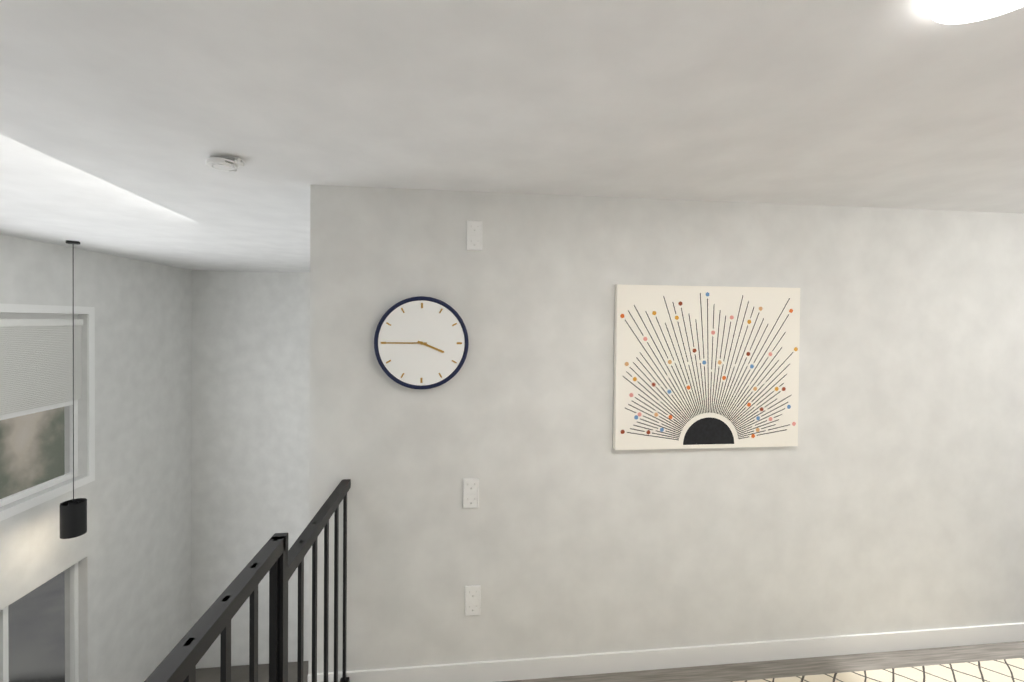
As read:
3:45
